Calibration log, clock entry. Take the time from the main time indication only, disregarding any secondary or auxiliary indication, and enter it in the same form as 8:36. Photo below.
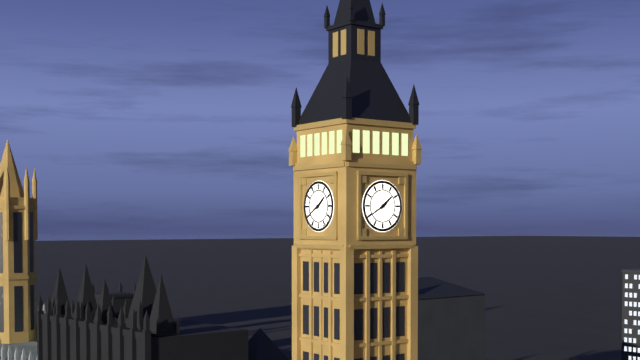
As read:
1:40
